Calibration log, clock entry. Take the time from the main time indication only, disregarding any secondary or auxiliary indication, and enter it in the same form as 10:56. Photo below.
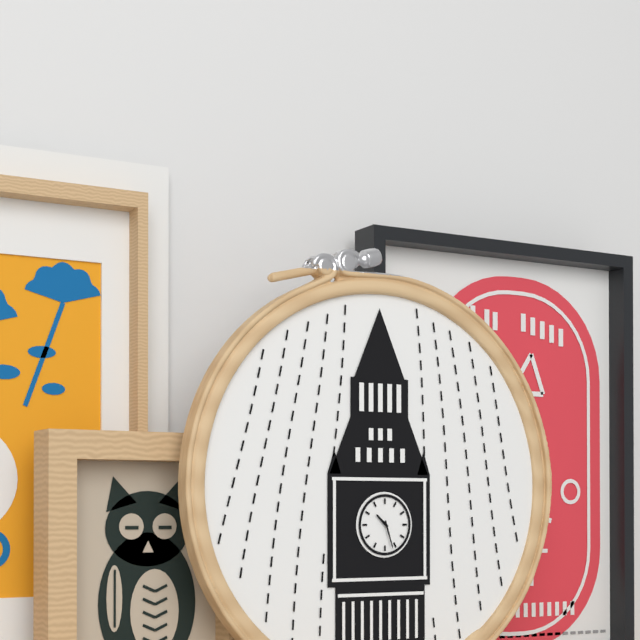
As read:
10:27
